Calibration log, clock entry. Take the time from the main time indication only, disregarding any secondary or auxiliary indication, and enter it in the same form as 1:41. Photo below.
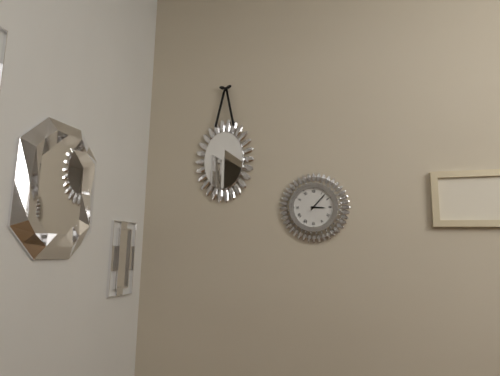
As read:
3:07
